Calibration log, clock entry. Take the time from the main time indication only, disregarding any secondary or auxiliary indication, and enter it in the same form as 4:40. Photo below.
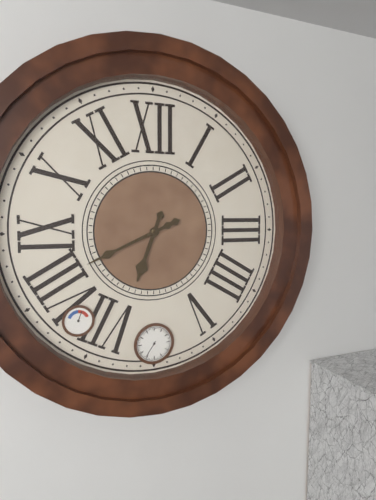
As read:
6:41
